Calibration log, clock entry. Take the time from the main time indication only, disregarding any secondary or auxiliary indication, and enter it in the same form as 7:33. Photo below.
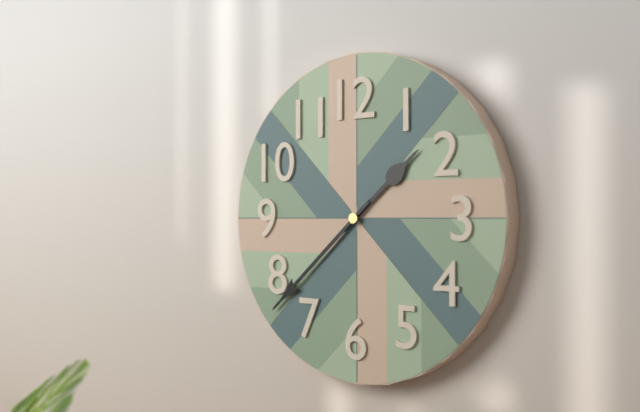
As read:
1:38
